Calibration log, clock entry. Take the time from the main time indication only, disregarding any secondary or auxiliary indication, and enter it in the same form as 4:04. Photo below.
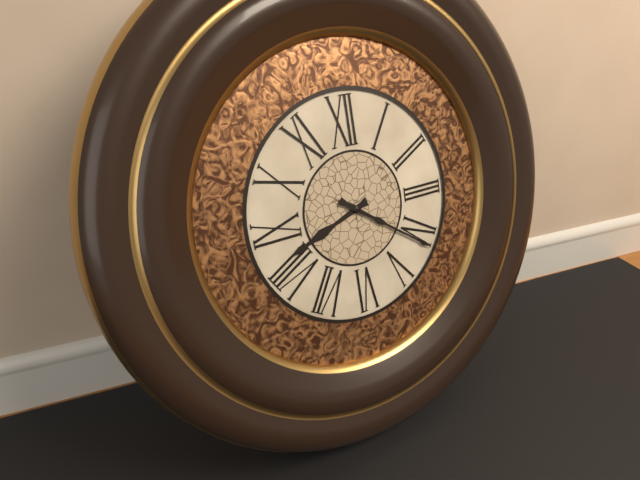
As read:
8:21
